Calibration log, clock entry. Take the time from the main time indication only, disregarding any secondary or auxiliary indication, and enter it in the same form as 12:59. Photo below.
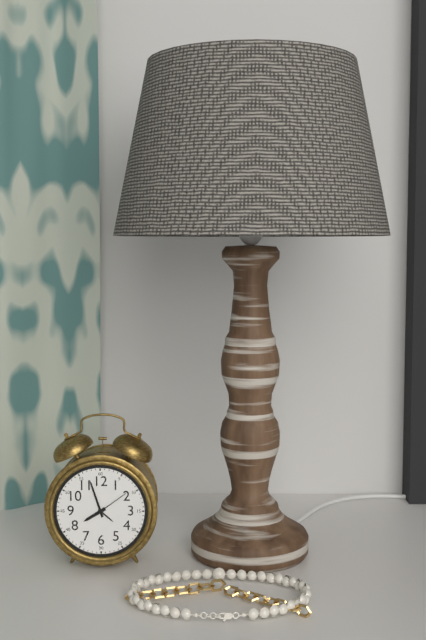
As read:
7:57
